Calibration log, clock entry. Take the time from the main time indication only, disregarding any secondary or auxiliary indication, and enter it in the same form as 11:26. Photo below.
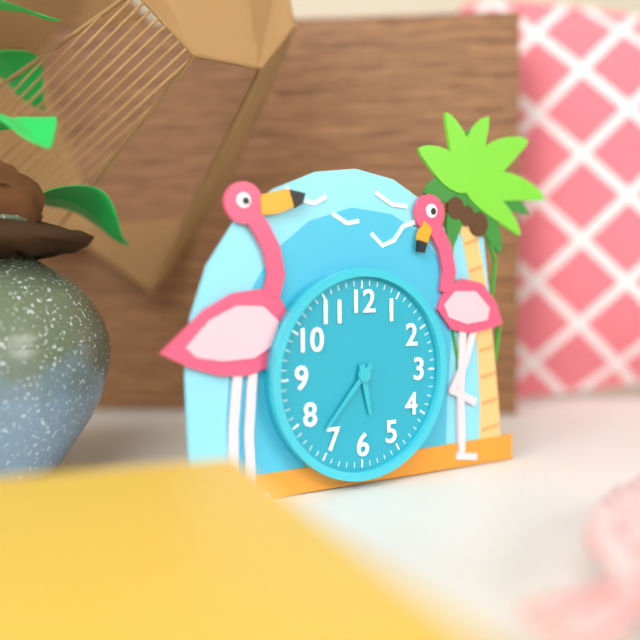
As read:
5:37
